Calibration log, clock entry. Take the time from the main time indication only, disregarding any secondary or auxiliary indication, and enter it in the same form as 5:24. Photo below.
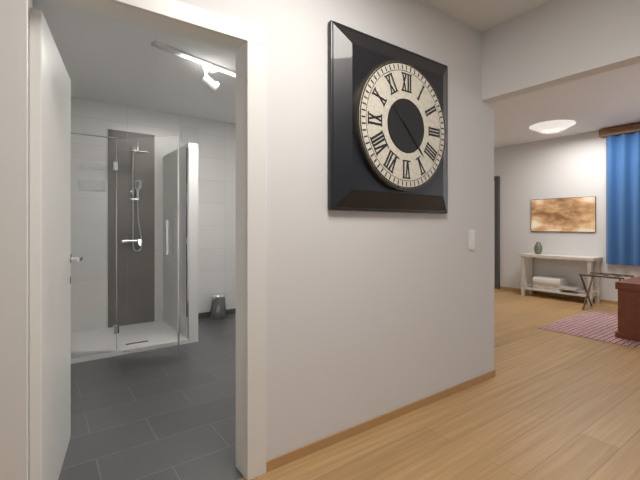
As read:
10:23
